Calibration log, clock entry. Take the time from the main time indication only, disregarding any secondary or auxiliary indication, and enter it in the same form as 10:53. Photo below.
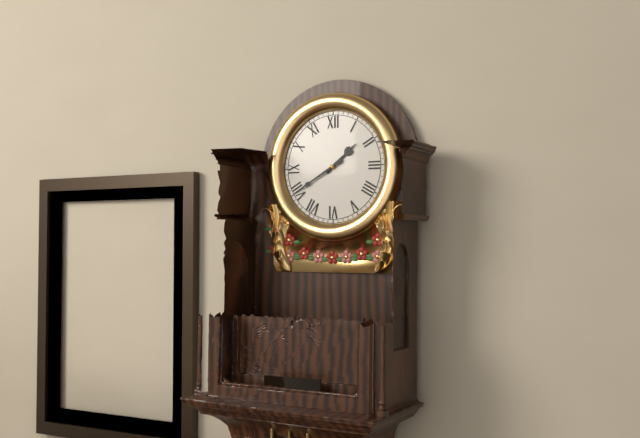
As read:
1:40
